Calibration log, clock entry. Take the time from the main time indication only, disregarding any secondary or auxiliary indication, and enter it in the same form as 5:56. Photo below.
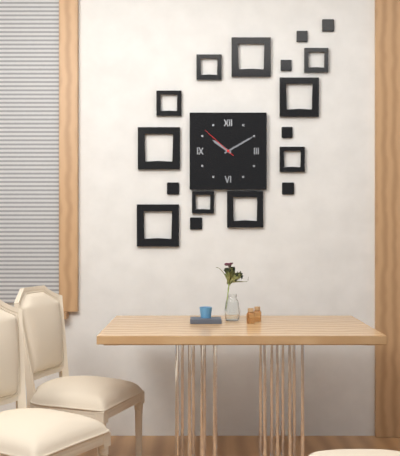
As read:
10:10
